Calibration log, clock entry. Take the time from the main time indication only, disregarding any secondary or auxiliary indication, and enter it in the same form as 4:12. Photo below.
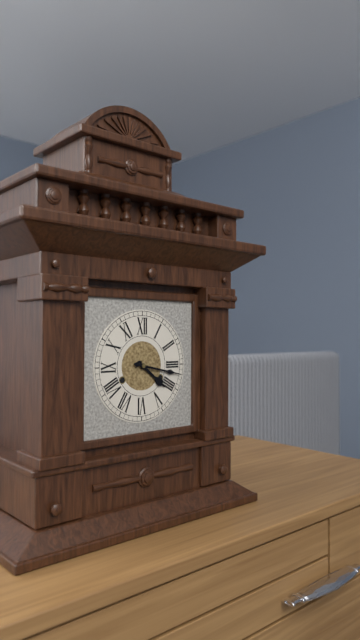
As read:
4:17
